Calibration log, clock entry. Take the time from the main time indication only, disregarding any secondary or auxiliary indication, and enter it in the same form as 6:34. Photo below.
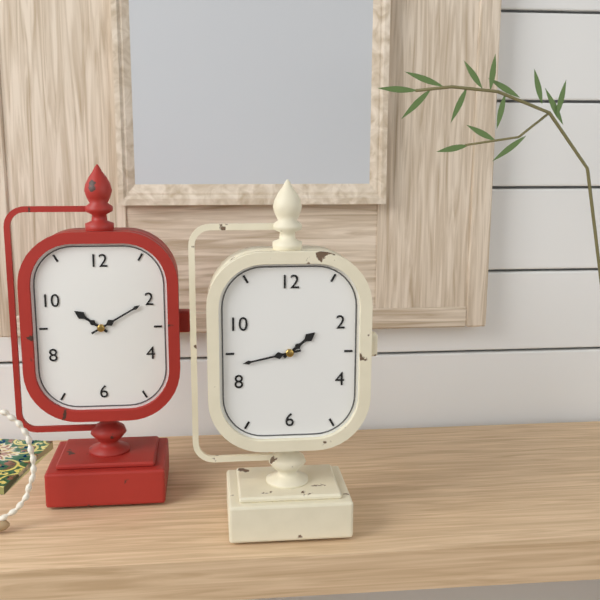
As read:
1:43
